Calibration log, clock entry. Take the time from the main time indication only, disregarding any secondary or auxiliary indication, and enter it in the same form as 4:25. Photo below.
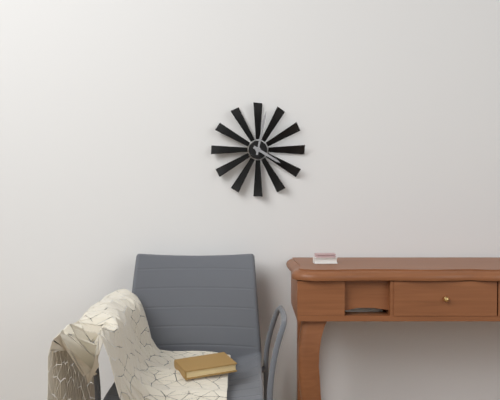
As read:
4:02
